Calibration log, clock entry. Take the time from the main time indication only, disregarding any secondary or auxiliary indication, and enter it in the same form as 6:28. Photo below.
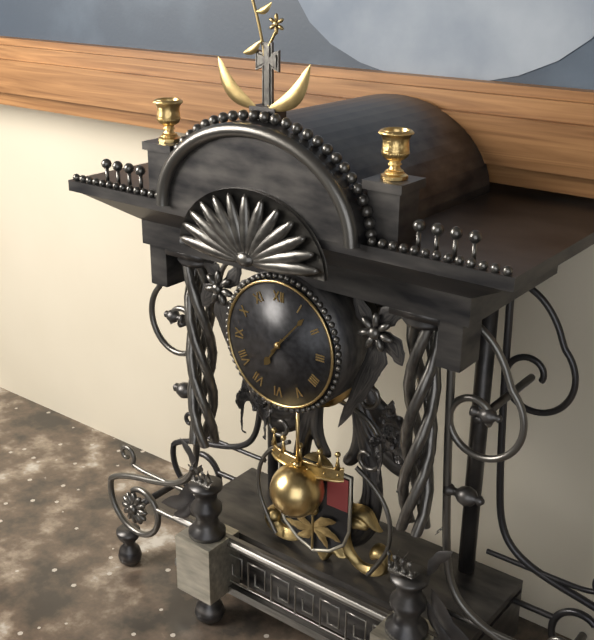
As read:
7:07
